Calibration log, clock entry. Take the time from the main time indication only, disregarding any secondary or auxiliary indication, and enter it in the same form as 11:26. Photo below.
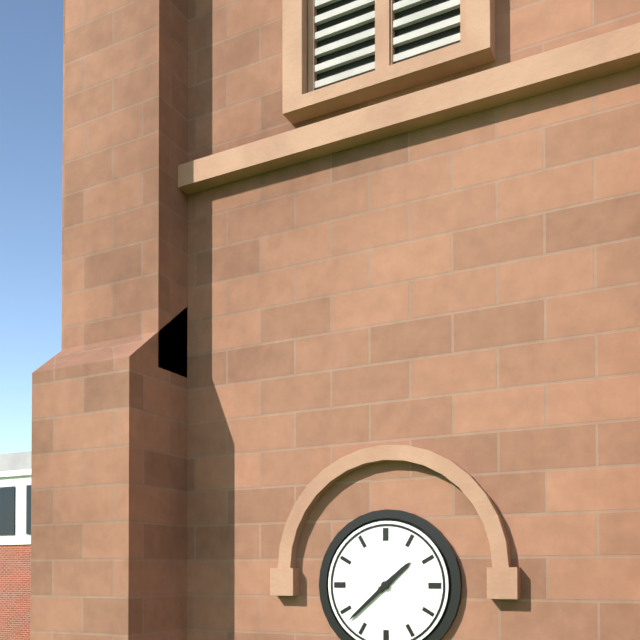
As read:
1:38
